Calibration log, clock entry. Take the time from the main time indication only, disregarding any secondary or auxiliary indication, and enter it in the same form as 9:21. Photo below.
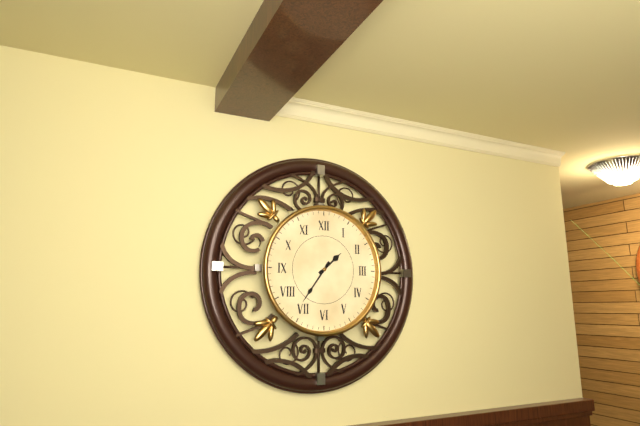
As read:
1:36
